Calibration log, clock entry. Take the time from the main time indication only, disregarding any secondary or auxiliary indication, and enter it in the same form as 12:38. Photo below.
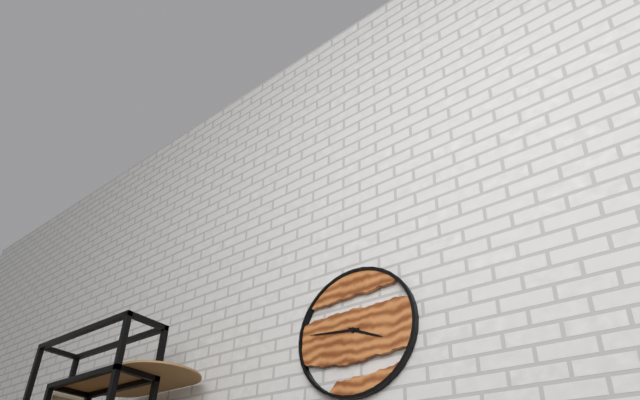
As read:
3:46
